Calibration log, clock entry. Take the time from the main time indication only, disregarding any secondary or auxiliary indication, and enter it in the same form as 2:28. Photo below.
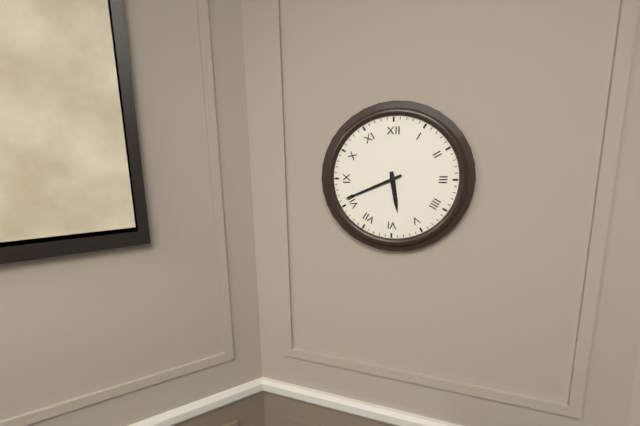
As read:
5:41
